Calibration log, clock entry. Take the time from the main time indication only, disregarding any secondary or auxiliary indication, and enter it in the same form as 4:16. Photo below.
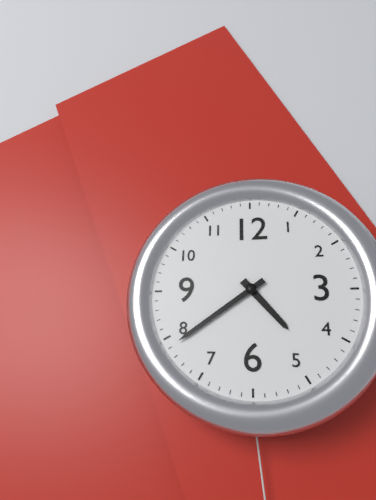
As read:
4:39
